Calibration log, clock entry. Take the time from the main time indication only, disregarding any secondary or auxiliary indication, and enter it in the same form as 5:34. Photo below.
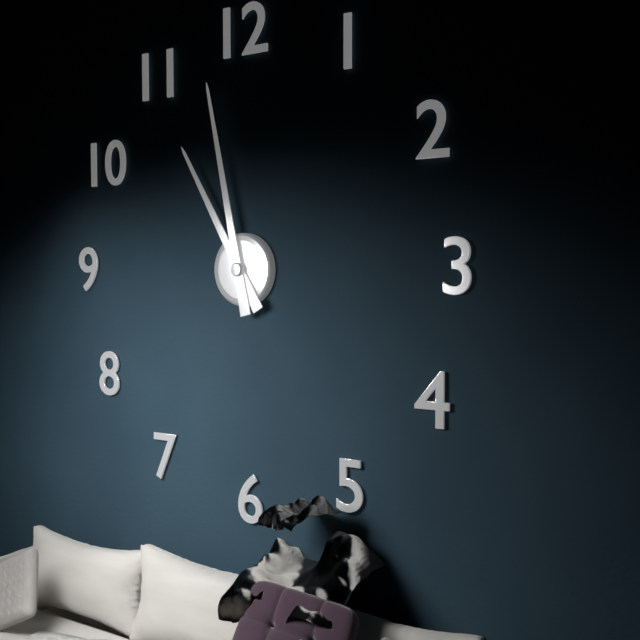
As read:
10:58
